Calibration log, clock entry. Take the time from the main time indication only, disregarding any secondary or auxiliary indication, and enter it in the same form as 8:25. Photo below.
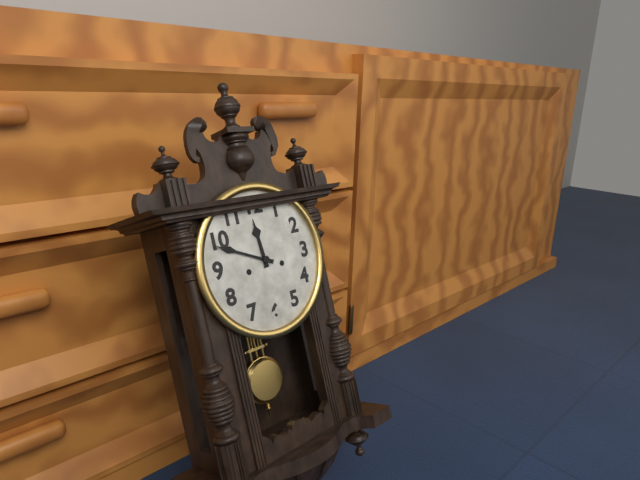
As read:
11:49
